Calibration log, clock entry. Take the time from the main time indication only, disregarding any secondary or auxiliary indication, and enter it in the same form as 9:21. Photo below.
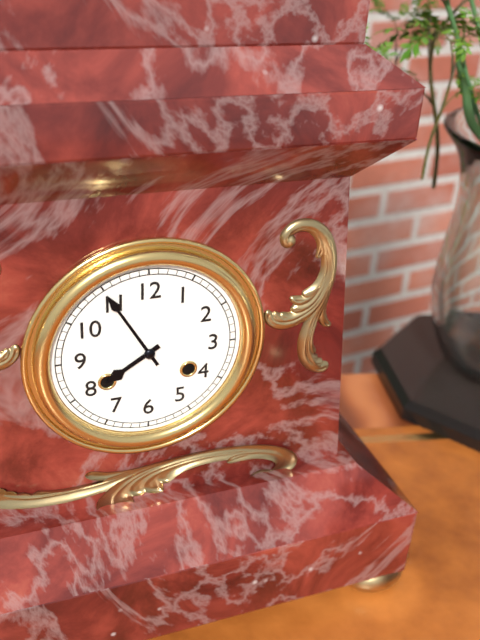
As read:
7:55
